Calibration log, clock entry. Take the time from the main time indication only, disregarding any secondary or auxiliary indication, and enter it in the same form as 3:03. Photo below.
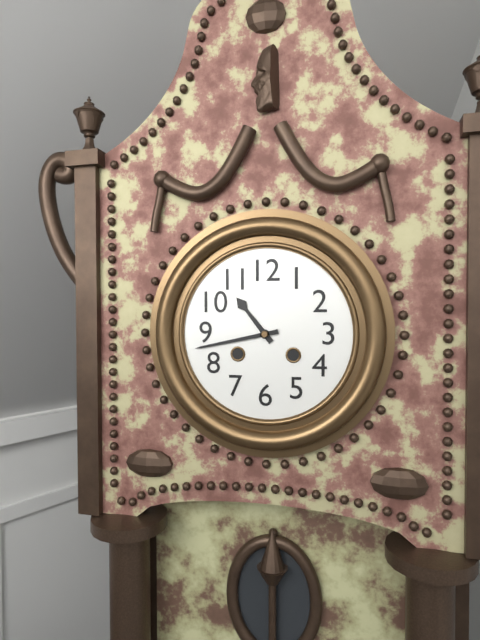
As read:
10:43
